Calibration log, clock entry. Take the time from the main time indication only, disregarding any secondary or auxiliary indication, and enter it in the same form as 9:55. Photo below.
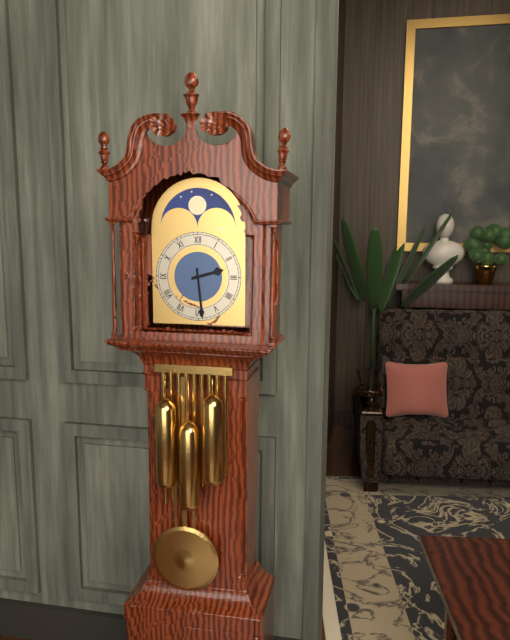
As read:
2:29
